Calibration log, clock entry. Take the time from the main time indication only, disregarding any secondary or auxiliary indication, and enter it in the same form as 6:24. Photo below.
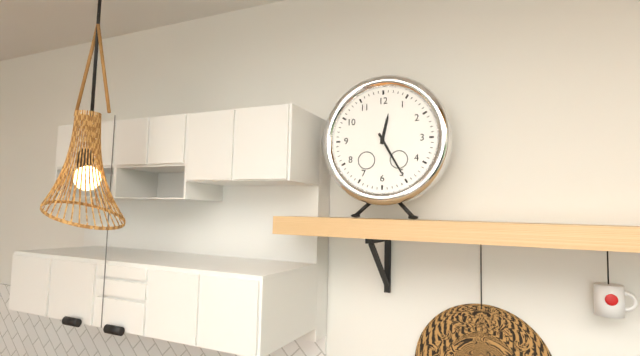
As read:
12:25
